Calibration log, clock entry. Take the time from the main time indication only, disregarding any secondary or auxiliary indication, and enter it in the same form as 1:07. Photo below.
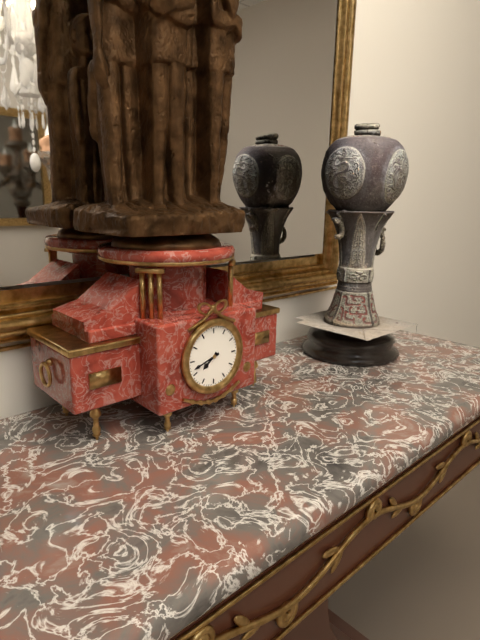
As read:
7:42
